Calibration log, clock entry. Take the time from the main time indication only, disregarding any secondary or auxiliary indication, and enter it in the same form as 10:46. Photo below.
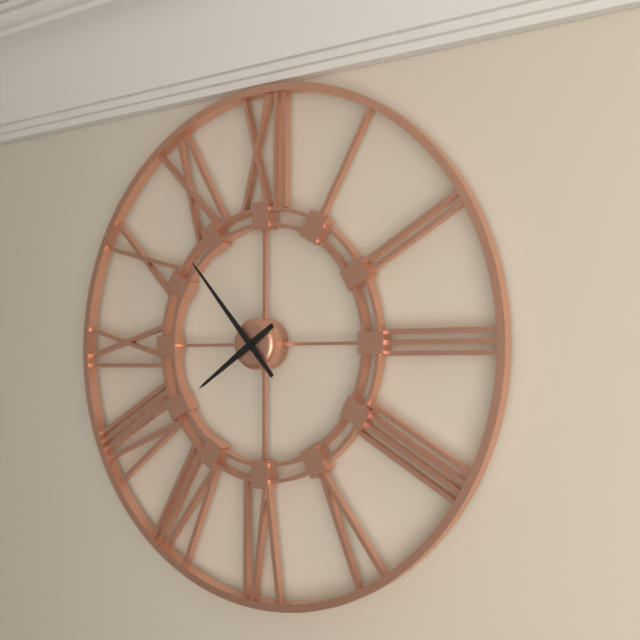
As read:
7:53
